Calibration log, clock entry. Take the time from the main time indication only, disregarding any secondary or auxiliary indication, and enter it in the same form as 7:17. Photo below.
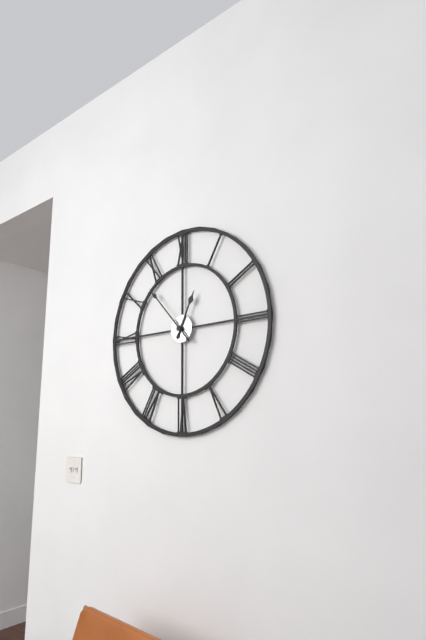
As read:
12:53
